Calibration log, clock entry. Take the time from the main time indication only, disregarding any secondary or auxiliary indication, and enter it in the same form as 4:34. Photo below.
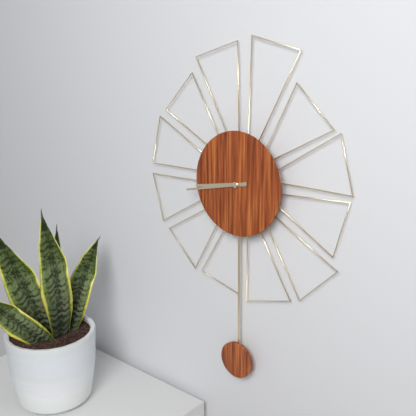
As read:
8:43
